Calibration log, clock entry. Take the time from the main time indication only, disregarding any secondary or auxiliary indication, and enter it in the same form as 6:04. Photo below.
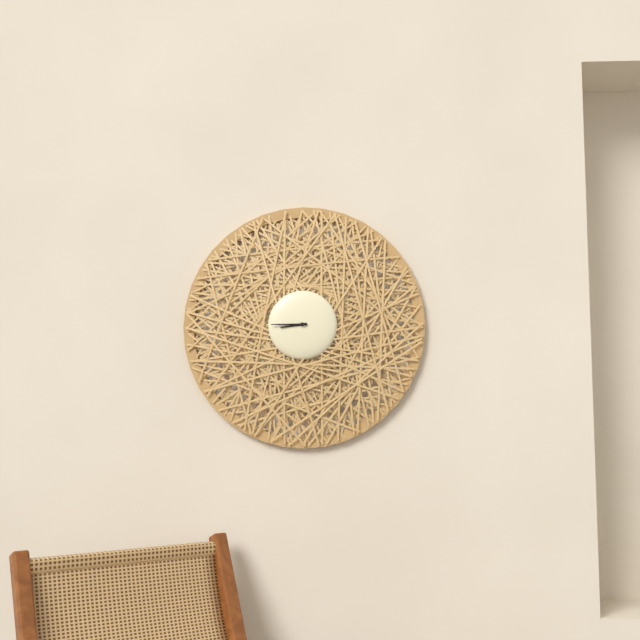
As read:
8:45
